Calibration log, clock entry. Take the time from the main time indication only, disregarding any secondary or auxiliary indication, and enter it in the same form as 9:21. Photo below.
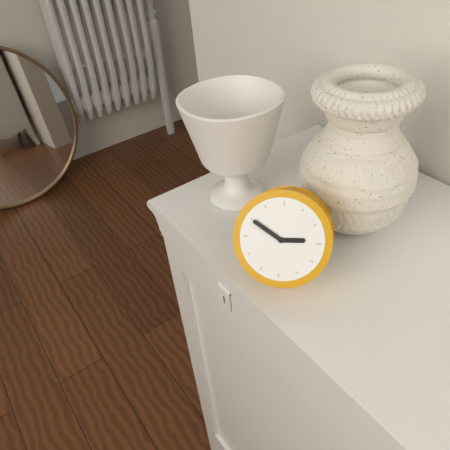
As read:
2:50
